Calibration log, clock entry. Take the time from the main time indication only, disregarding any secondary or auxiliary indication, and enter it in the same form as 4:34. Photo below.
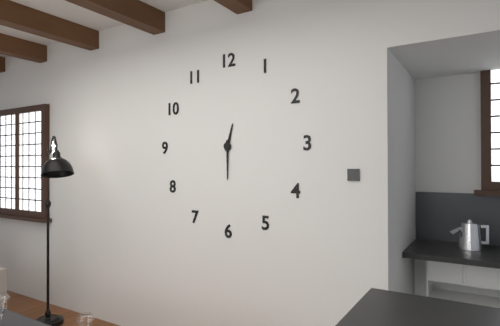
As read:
12:30
